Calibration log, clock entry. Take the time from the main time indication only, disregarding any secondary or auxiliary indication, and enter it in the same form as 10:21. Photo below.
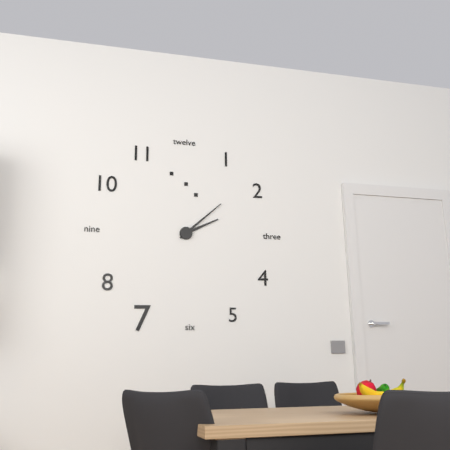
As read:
2:08
